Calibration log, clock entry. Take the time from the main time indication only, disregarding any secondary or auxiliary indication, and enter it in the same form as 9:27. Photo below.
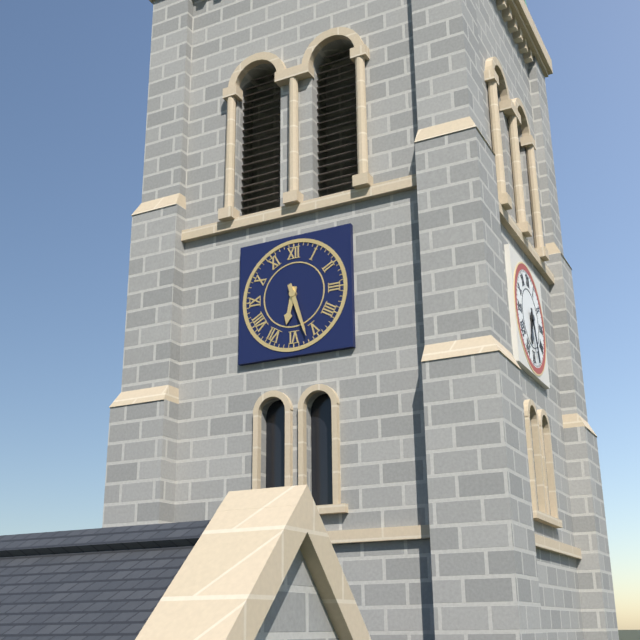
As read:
6:27
